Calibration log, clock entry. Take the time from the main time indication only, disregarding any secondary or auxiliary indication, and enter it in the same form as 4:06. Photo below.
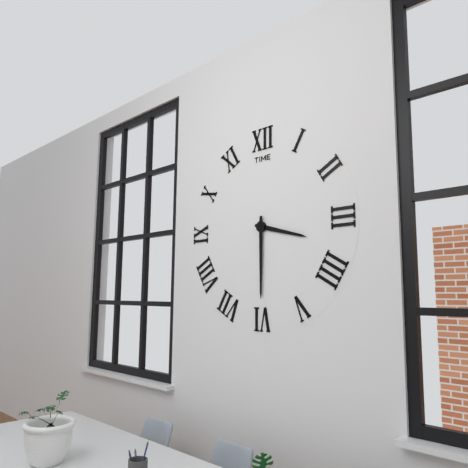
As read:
3:30
